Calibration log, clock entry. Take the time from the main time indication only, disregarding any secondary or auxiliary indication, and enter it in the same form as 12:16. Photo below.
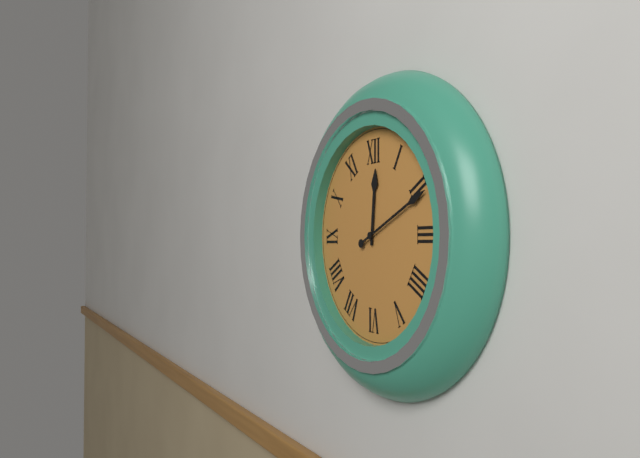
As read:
12:11
